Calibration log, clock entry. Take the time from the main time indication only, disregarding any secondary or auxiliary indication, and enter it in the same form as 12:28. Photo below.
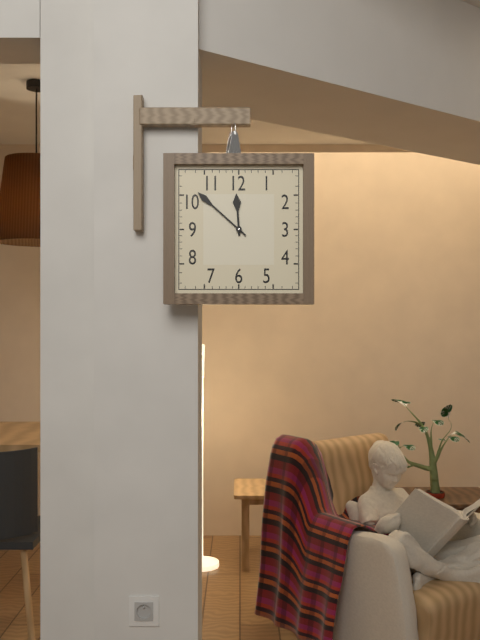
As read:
11:52
